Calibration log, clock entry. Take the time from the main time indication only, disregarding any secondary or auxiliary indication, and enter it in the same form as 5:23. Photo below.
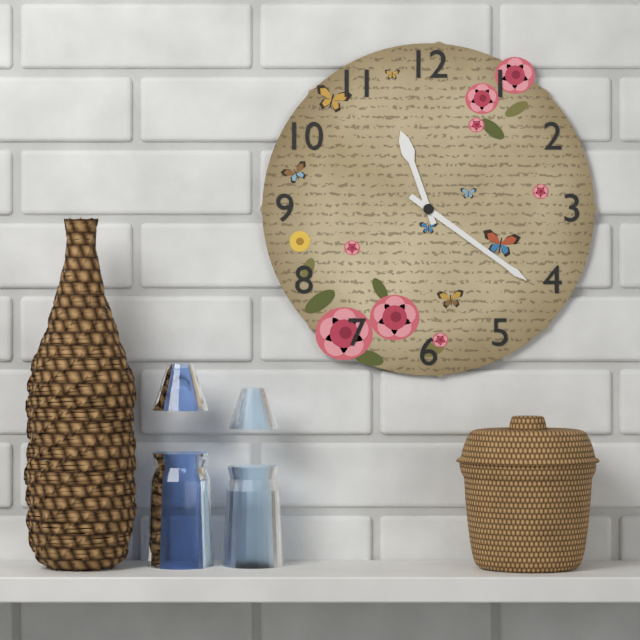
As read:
11:21
